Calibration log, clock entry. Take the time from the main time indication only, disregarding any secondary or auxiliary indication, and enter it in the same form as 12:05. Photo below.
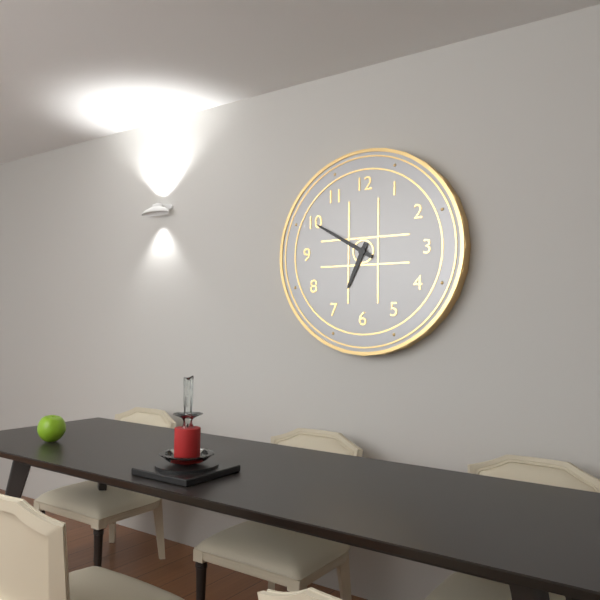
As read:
6:50
